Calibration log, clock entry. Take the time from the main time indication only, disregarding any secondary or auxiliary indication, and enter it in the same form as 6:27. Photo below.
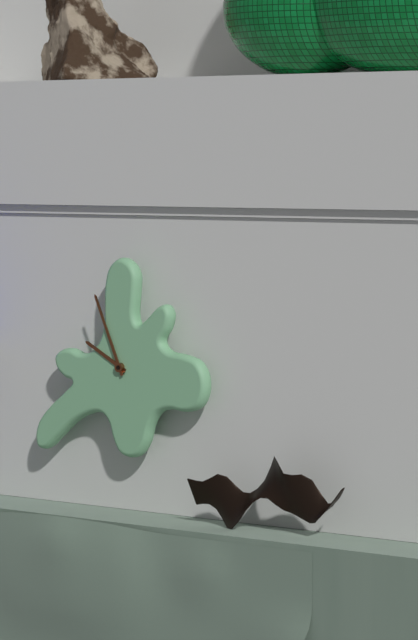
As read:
9:56
